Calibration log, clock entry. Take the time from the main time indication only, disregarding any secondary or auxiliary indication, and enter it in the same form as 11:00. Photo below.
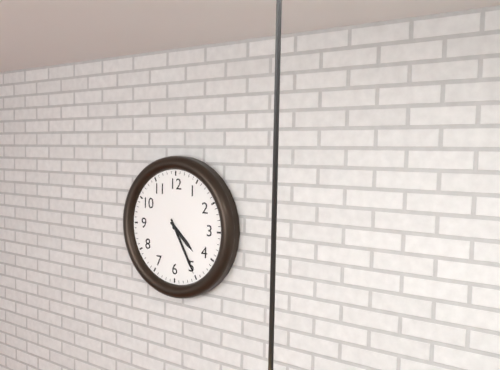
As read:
4:25
